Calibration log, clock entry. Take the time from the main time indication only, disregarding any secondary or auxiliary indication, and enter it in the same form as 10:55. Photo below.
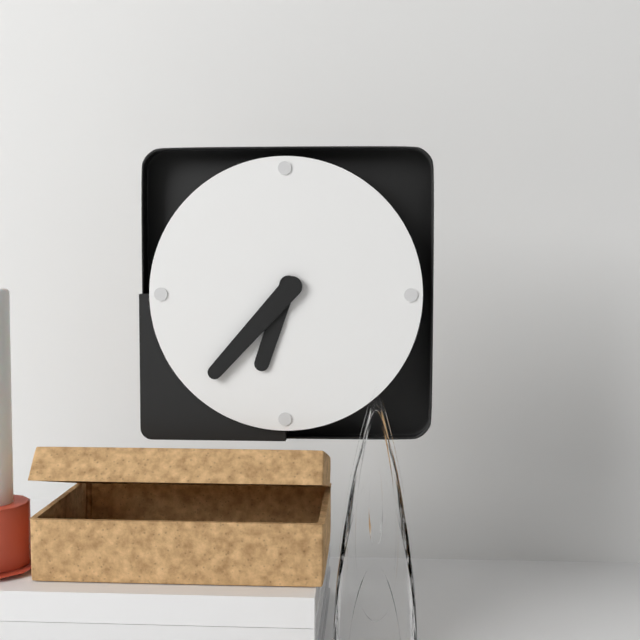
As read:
6:37
